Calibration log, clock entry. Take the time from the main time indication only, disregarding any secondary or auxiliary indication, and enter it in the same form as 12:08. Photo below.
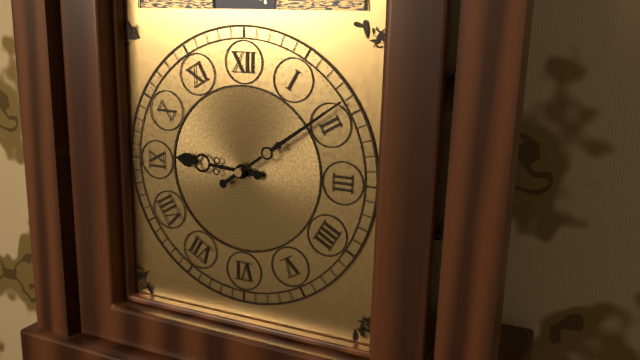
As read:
9:09
